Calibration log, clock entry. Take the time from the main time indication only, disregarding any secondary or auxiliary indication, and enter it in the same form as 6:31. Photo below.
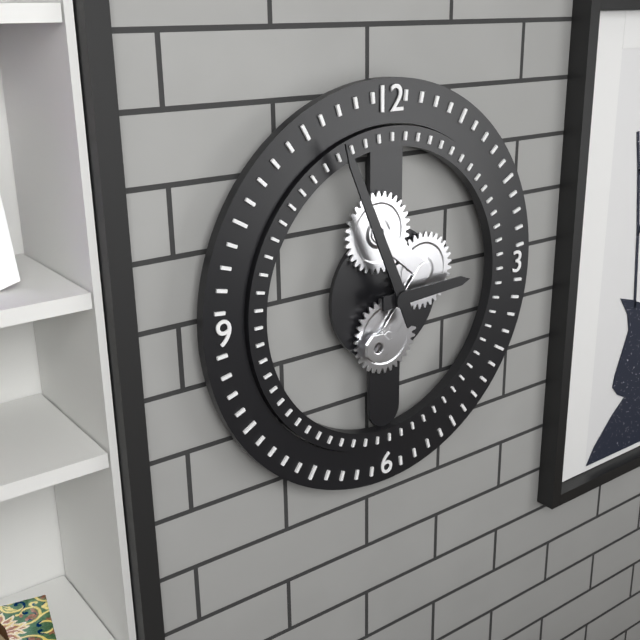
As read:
2:56
